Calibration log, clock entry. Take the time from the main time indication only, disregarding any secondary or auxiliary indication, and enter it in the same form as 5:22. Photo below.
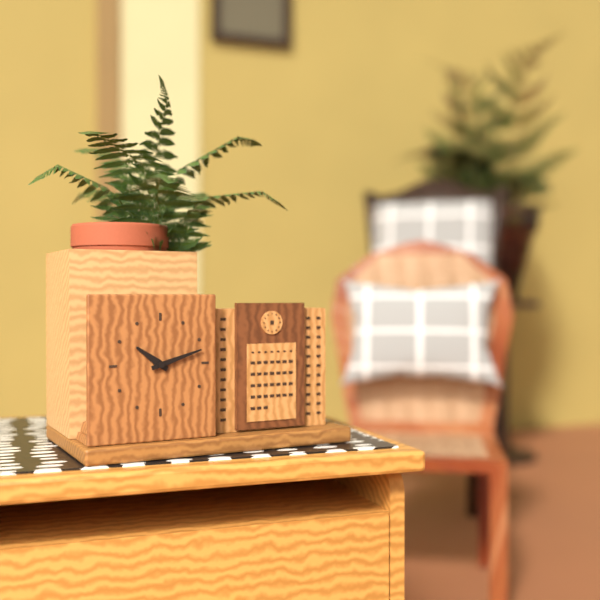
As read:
10:12
